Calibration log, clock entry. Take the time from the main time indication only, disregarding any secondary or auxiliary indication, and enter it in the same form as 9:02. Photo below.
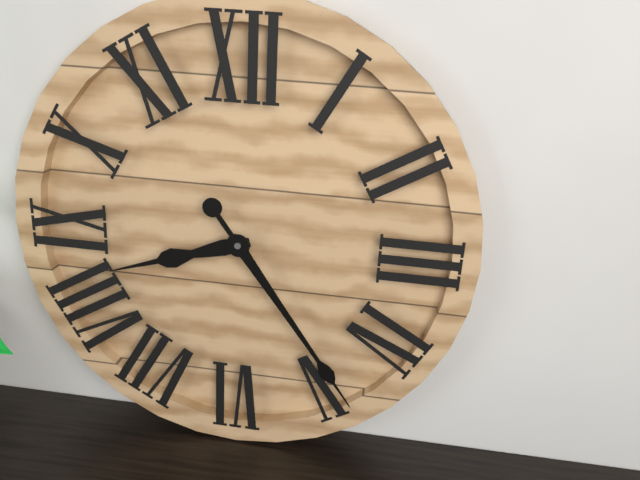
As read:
8:24
